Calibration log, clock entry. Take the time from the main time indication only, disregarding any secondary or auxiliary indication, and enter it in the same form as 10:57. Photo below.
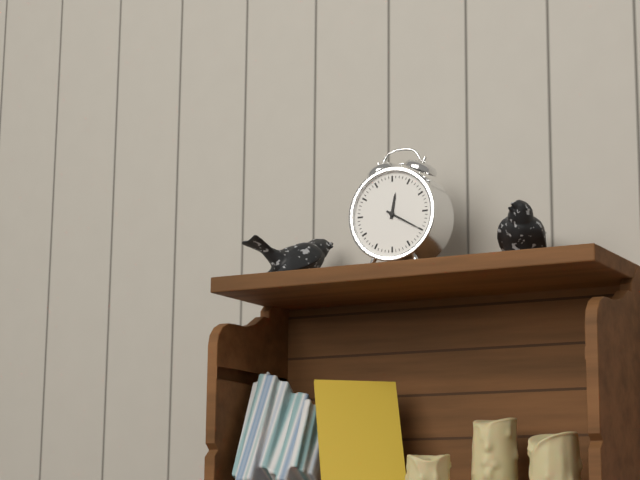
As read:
12:20
